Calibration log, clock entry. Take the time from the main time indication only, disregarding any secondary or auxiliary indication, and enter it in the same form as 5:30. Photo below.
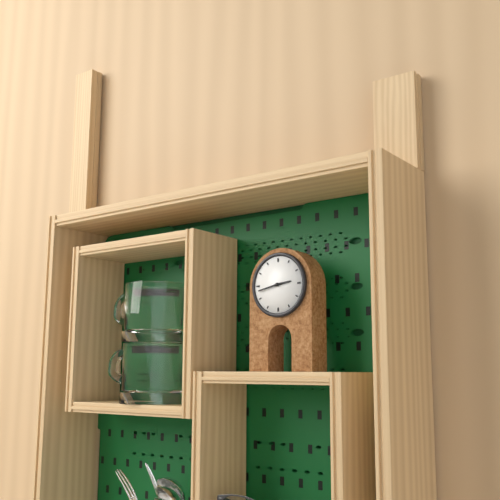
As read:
2:43
